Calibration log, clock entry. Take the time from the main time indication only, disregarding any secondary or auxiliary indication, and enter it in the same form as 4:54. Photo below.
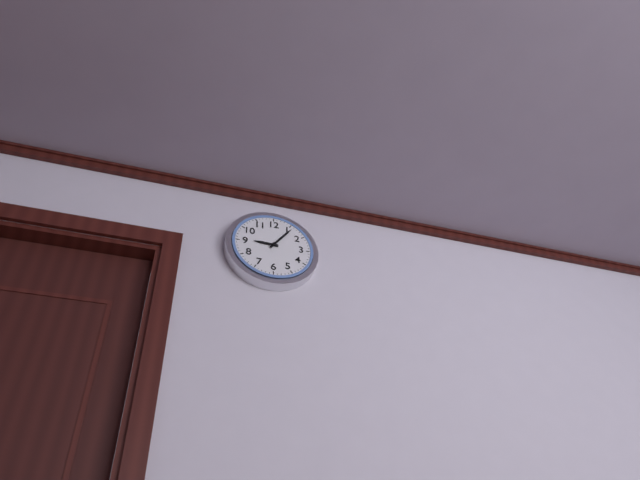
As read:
9:06
